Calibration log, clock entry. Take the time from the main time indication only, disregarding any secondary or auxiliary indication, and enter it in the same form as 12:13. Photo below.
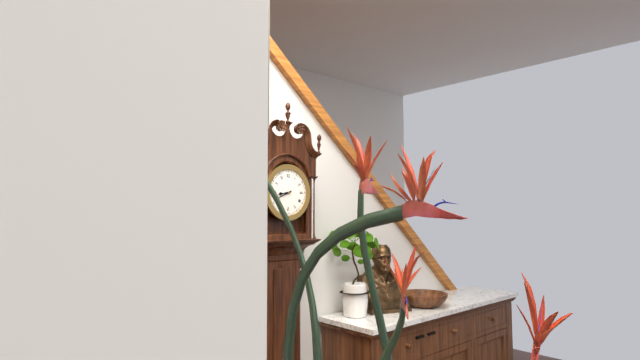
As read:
8:41
